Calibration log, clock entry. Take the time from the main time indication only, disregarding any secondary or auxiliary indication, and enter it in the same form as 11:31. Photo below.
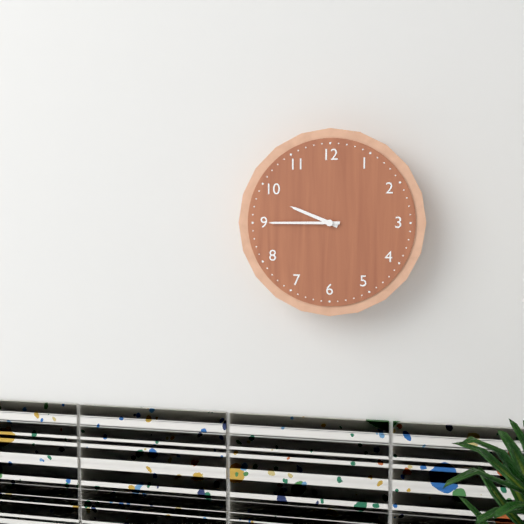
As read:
9:45
